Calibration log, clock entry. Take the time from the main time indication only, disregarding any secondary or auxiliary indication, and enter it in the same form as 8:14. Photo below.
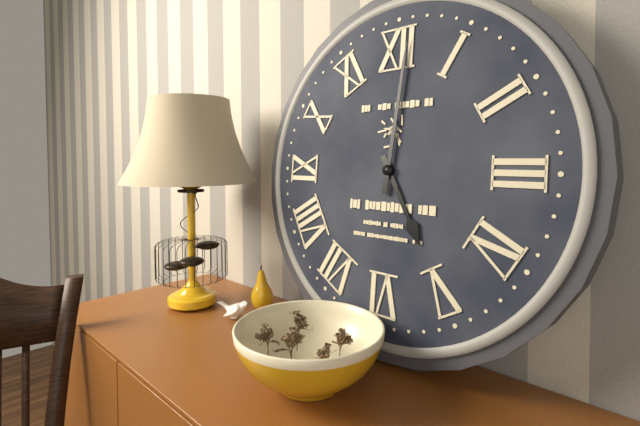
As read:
5:01
